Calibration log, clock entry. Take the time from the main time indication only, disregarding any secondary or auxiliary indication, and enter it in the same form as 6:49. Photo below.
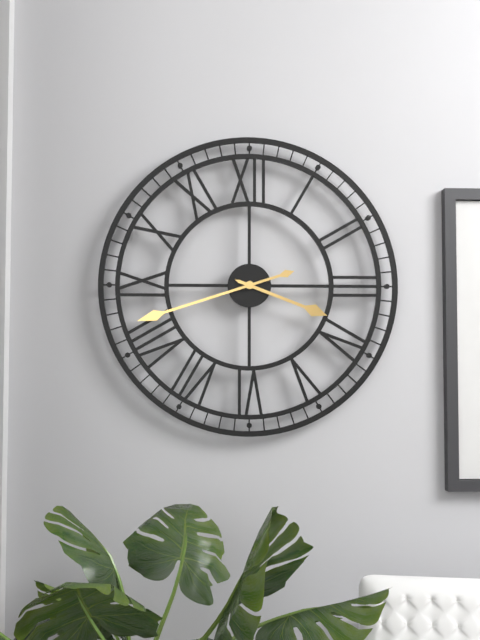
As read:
3:42
